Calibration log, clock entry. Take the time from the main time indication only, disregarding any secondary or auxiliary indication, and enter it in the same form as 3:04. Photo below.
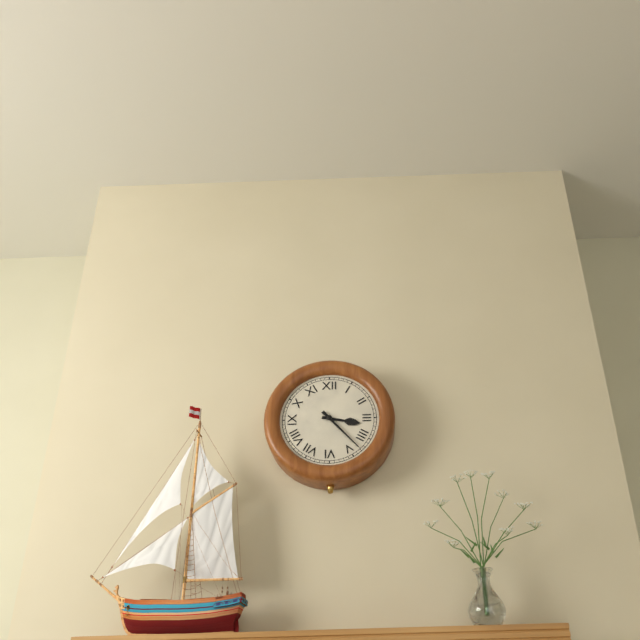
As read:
3:23
